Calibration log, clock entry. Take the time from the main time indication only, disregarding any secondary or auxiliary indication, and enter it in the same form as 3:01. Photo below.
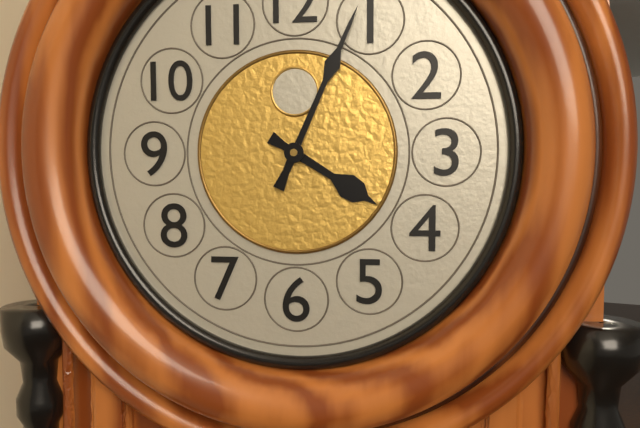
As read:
4:04
